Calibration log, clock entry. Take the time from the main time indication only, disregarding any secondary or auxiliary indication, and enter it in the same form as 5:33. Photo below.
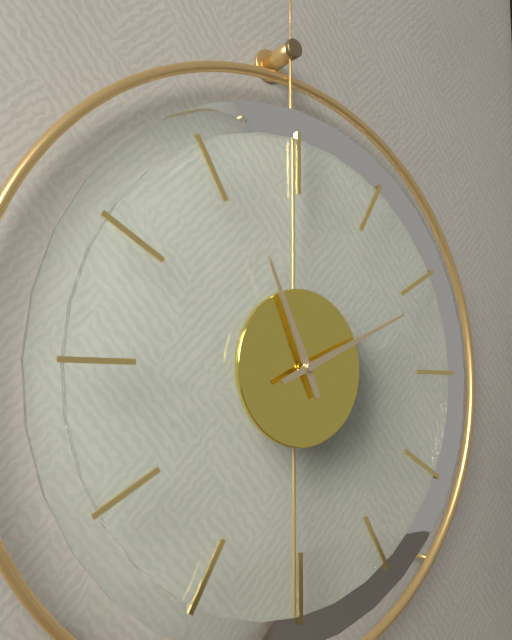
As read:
11:11
